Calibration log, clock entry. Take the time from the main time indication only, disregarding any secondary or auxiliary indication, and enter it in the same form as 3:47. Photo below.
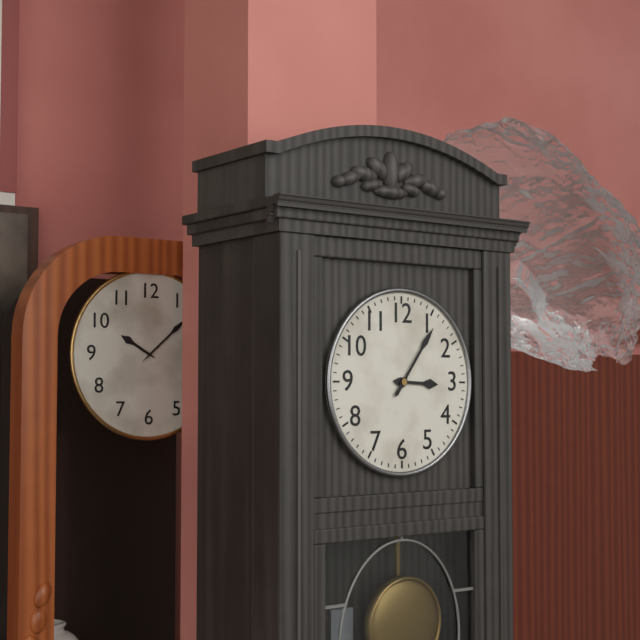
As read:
3:06
